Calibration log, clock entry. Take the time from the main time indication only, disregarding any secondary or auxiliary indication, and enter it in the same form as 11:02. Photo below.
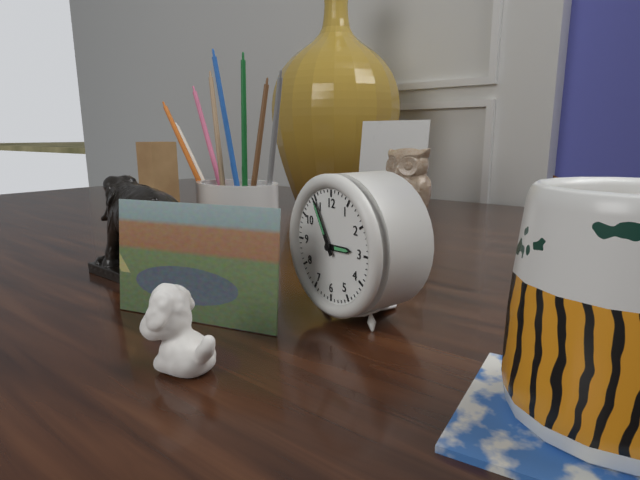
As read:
2:55
